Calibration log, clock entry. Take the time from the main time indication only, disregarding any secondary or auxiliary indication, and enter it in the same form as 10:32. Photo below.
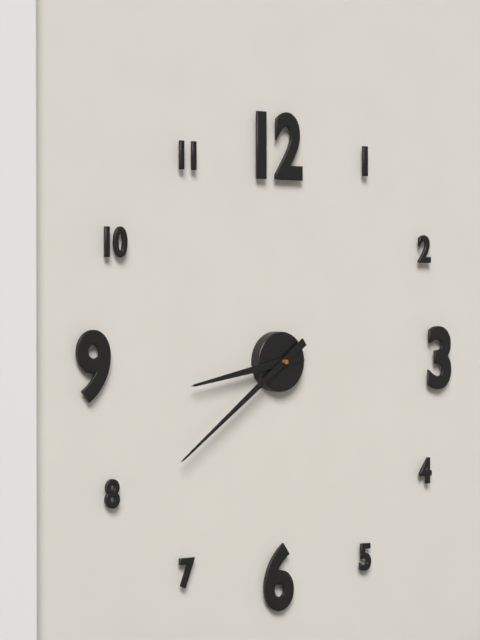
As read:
8:39
